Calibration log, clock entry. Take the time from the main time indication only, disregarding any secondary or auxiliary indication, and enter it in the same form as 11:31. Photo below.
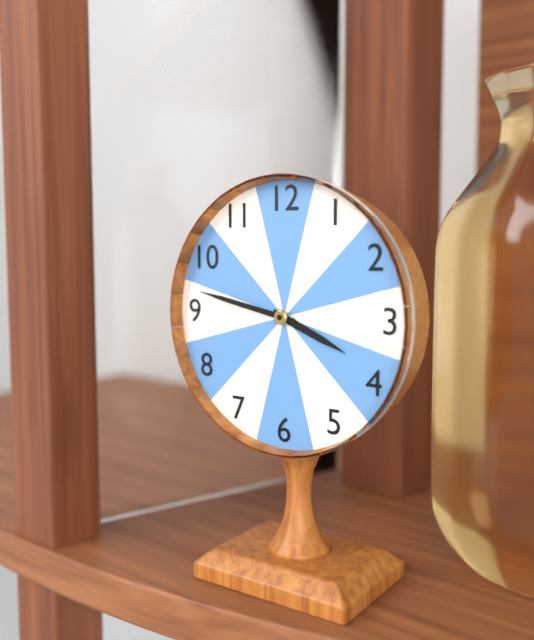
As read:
3:47
